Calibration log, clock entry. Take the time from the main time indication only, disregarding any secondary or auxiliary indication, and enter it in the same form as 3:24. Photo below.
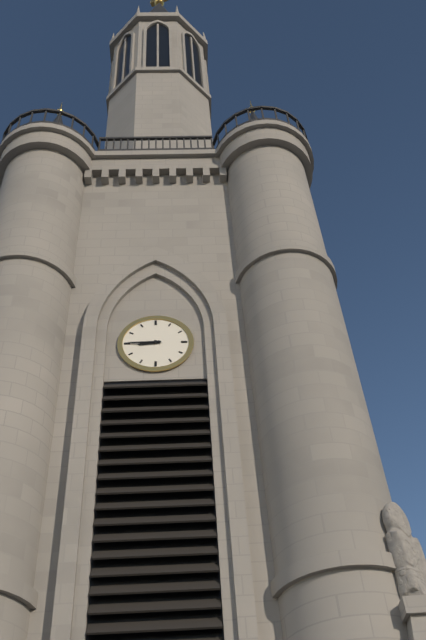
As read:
8:45
